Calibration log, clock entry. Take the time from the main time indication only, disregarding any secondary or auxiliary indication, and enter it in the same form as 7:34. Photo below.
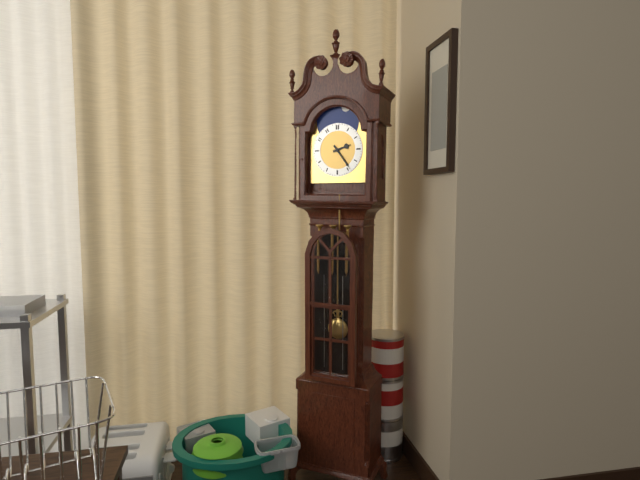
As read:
2:24
